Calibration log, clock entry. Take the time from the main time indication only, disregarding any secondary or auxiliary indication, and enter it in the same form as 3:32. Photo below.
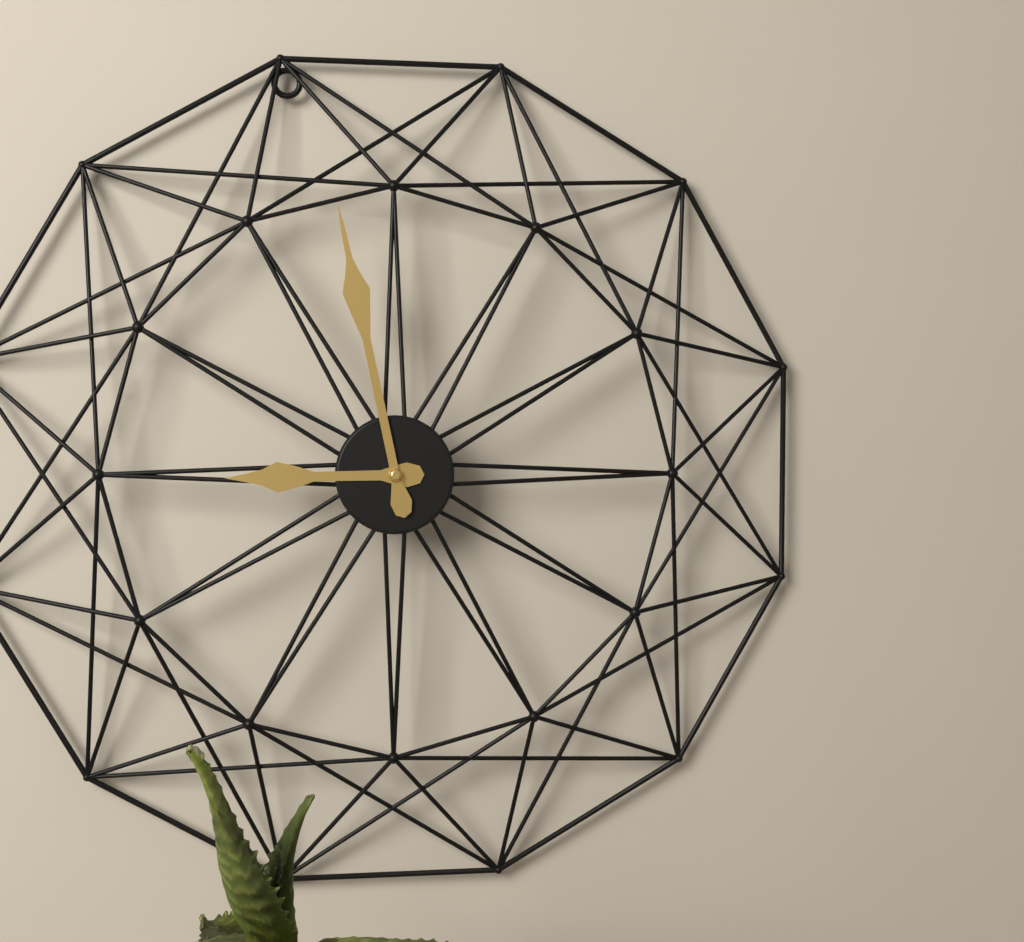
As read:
8:58
